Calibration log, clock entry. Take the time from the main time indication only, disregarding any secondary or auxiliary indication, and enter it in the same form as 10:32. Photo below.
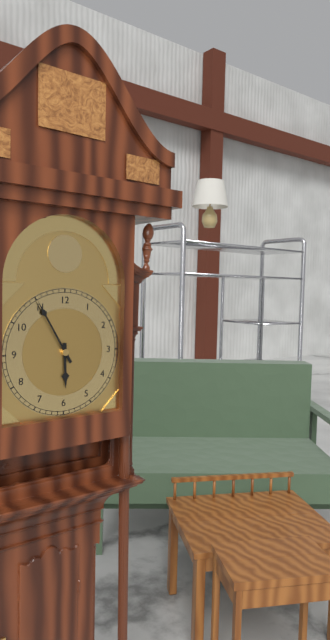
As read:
5:55
